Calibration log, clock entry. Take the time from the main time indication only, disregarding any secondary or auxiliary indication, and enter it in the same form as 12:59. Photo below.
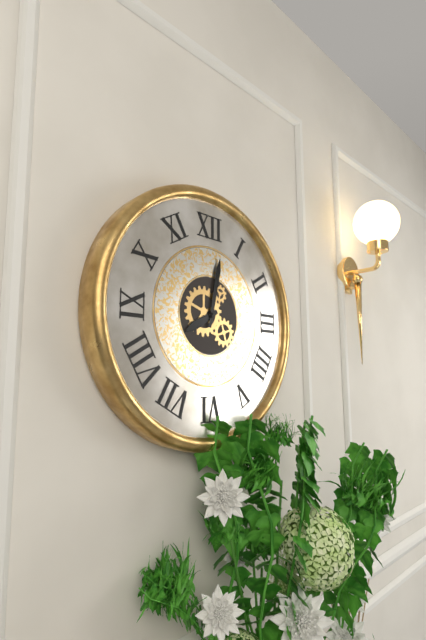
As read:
8:02
